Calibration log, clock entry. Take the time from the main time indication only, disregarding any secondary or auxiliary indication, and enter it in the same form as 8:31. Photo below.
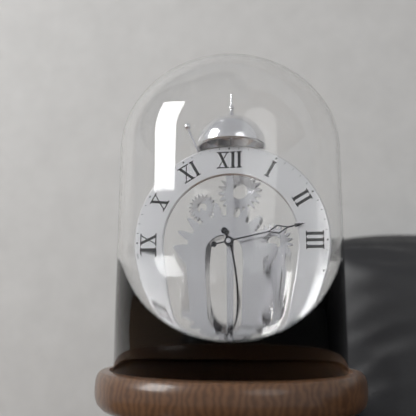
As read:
5:13
